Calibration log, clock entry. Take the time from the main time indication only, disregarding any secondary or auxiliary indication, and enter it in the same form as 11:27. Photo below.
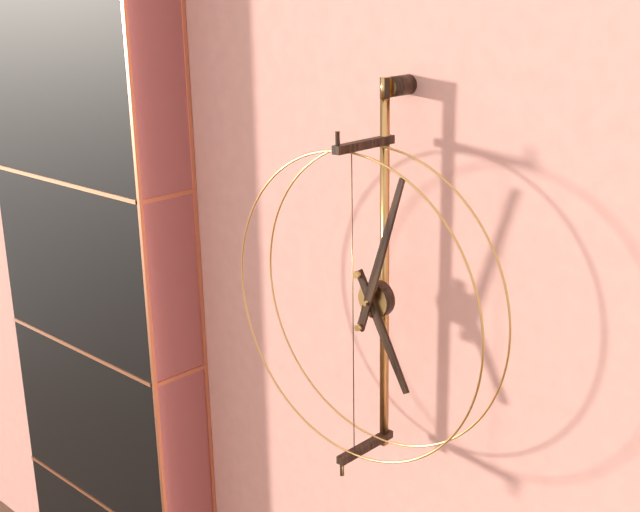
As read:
5:03
